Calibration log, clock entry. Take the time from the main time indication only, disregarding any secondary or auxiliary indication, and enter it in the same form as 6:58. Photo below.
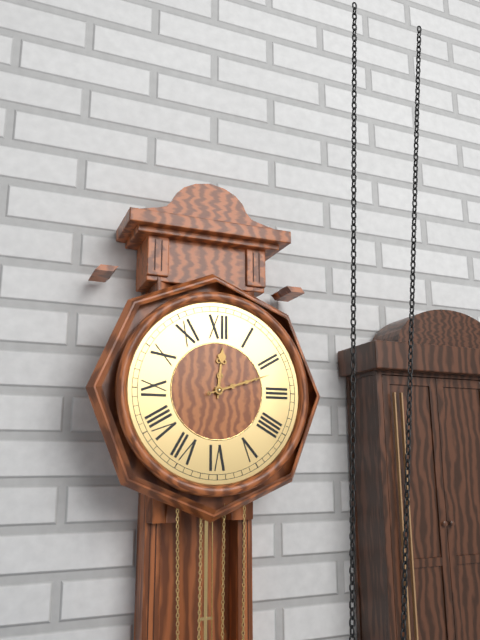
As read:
12:12
